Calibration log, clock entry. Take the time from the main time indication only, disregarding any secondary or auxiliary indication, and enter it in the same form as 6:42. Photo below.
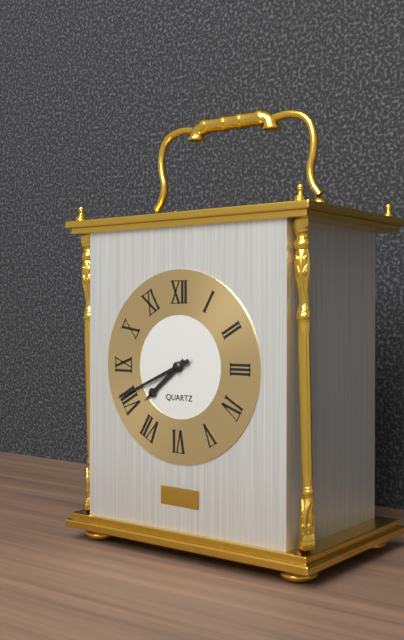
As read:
7:41
